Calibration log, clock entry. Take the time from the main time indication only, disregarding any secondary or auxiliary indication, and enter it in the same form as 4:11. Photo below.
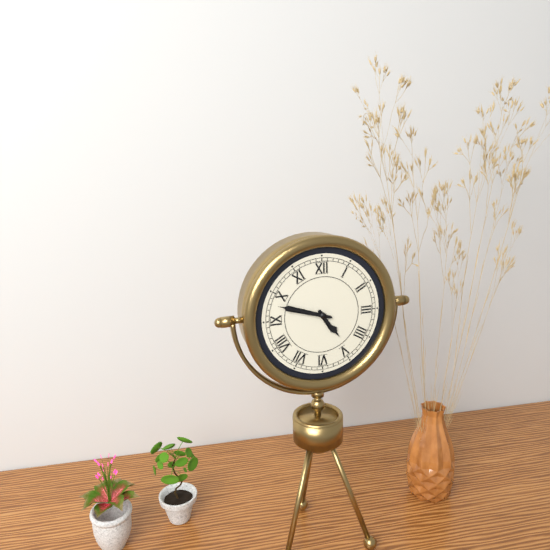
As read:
4:48
